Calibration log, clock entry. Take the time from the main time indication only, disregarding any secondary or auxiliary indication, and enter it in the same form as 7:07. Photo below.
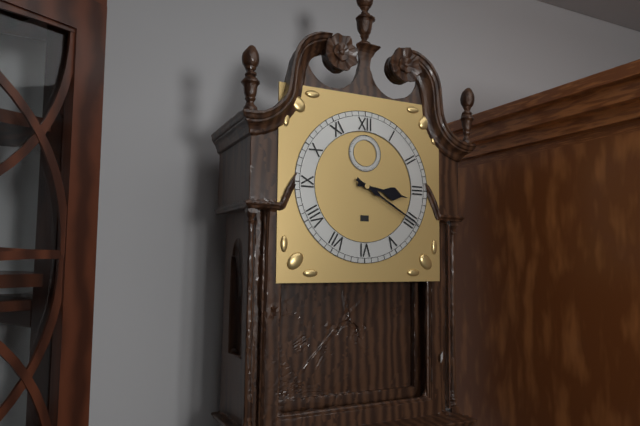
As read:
3:20
